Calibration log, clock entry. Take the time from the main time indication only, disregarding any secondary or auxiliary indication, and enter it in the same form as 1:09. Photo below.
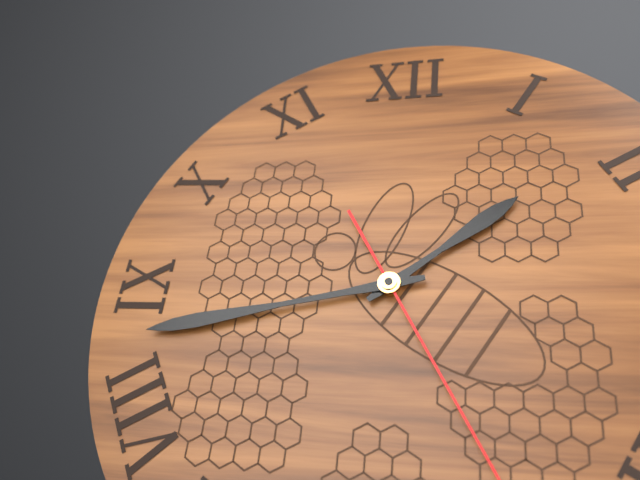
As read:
1:43
